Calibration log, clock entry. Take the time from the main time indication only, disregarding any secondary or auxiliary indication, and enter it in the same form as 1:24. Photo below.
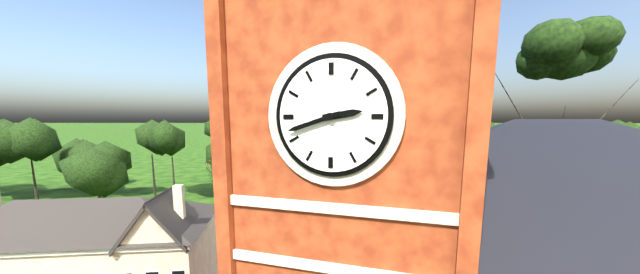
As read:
2:42
